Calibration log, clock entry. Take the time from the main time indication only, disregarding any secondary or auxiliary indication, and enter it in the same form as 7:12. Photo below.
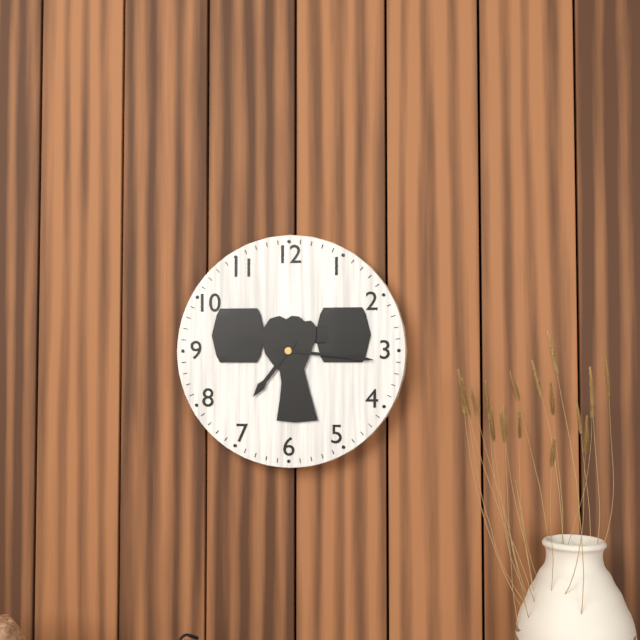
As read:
7:16
